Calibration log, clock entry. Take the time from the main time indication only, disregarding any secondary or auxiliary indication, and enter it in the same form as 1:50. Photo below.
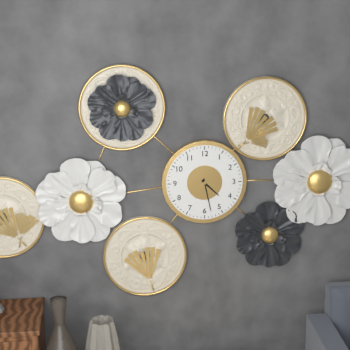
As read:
4:28
